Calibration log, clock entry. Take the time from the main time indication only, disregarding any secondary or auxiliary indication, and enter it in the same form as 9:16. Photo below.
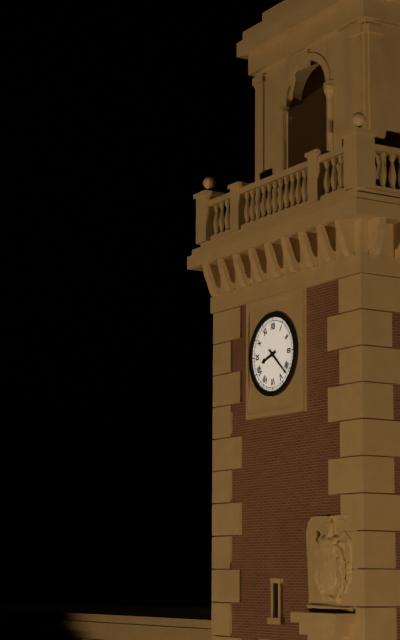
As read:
8:22
